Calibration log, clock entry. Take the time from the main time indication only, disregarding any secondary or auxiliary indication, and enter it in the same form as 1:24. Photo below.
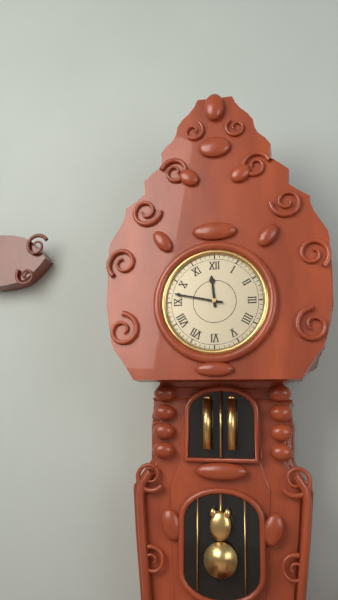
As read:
11:47
